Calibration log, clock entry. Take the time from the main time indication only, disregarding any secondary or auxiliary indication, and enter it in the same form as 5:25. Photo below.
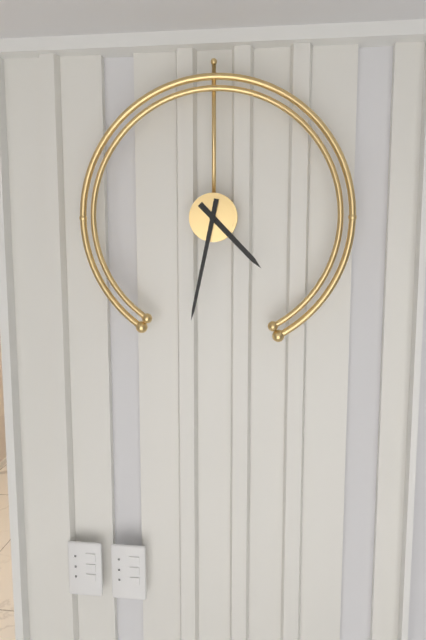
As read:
4:32
